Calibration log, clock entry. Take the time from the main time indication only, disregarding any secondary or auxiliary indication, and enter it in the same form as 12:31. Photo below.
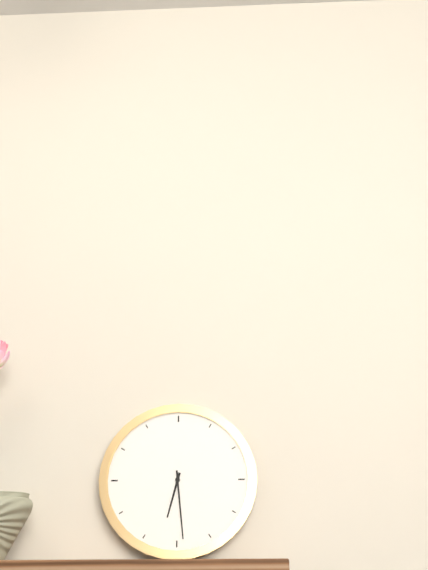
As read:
6:29
